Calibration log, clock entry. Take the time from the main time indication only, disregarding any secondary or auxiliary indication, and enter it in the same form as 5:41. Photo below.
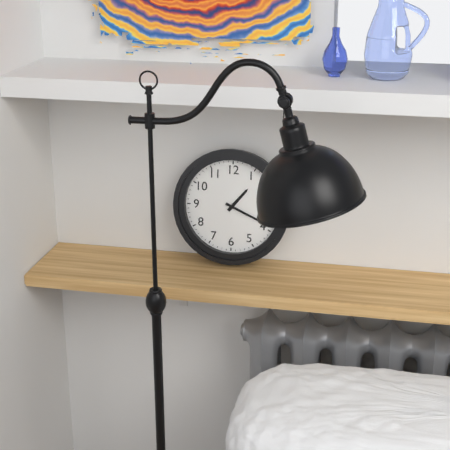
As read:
1:19
